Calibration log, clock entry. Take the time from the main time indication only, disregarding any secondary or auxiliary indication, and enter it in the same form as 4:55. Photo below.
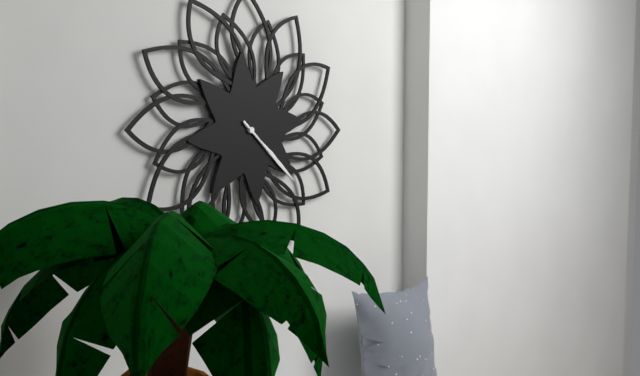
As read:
4:22
